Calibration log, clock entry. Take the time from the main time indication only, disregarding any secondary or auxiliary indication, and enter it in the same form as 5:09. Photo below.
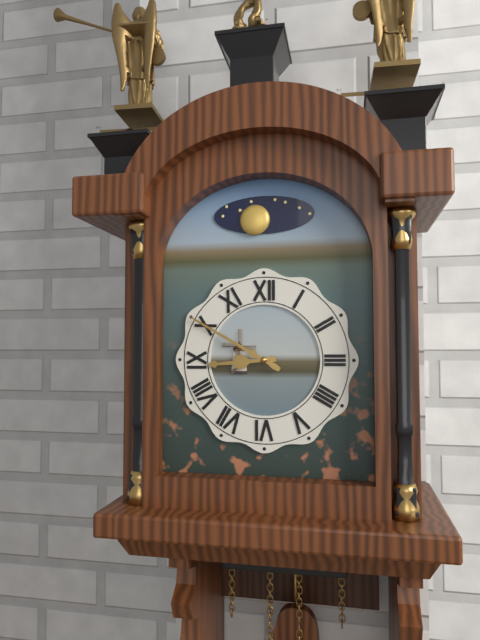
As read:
8:50
